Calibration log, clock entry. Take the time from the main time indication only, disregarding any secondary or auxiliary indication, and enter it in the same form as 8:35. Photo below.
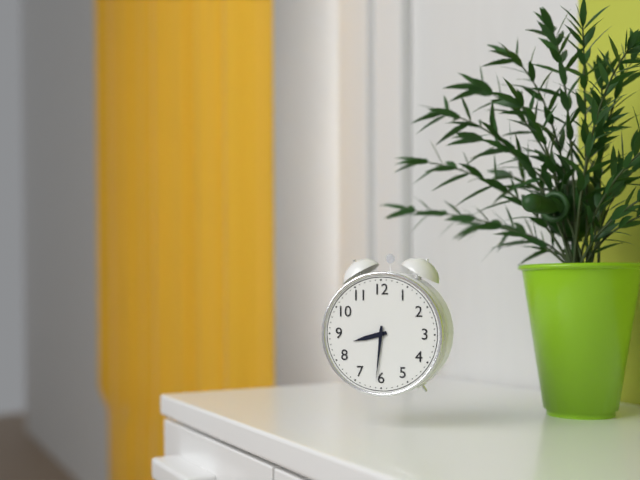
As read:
8:31
